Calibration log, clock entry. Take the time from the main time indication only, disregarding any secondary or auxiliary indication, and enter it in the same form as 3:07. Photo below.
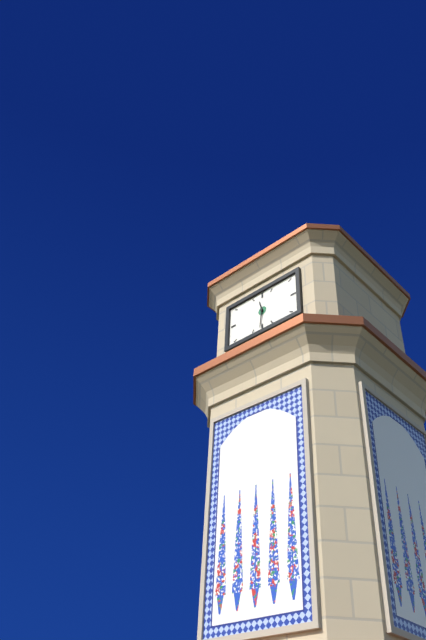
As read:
11:31
